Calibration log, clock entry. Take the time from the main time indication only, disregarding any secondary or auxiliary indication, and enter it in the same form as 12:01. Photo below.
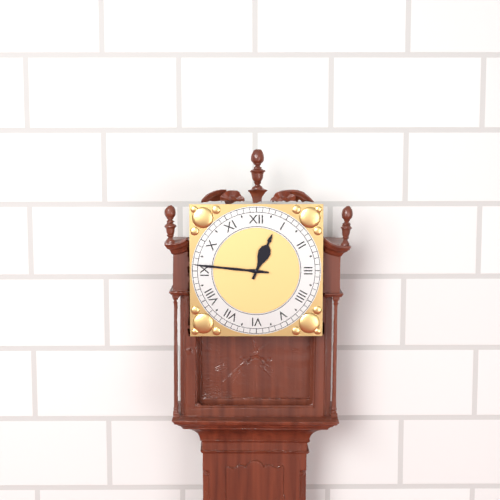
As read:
12:46
